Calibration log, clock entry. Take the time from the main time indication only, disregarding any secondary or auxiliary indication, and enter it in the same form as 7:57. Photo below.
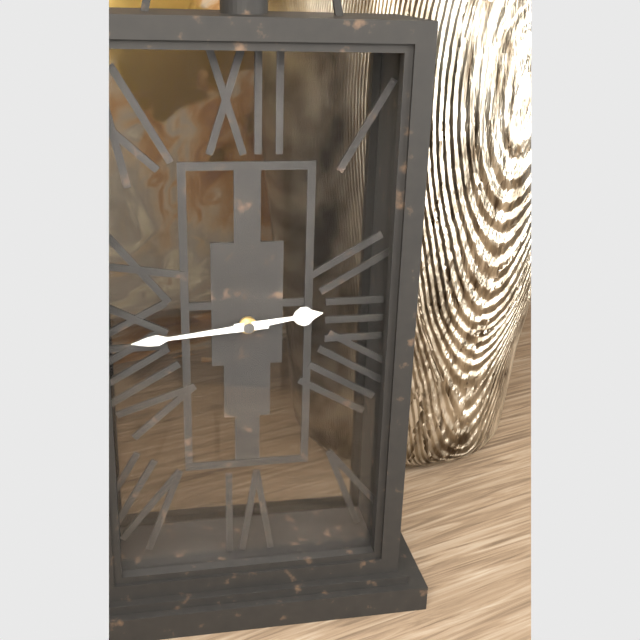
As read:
2:44
